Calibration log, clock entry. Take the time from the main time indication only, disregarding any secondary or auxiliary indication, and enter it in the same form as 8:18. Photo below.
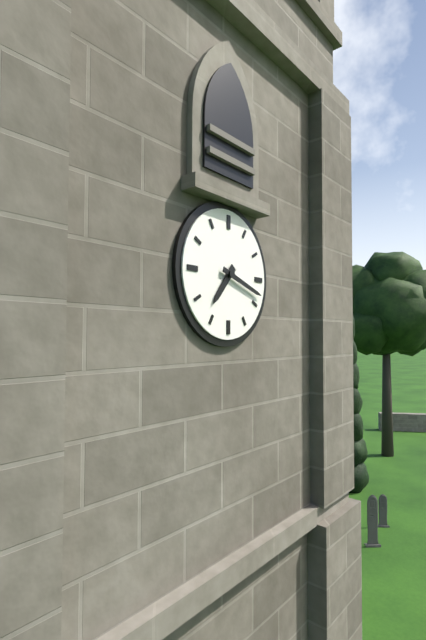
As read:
7:18
